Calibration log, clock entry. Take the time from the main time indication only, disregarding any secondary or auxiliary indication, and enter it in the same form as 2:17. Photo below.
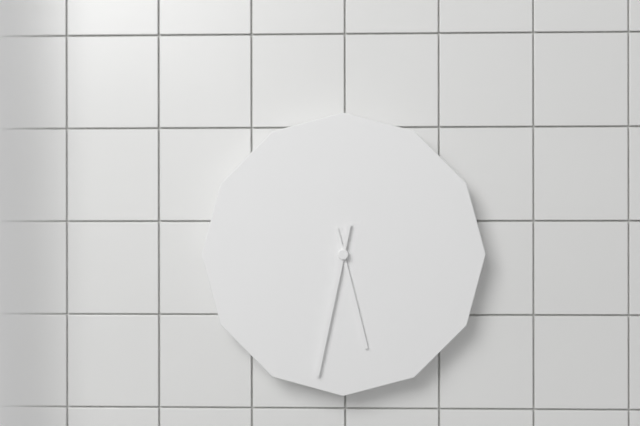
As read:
5:32
